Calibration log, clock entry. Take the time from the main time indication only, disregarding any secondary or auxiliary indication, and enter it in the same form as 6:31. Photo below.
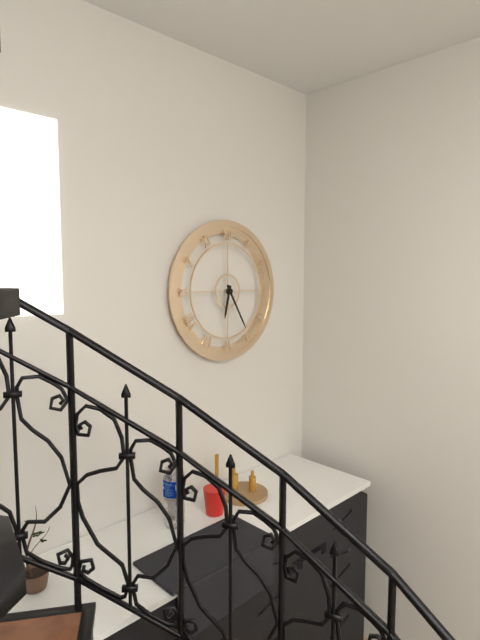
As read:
6:25
